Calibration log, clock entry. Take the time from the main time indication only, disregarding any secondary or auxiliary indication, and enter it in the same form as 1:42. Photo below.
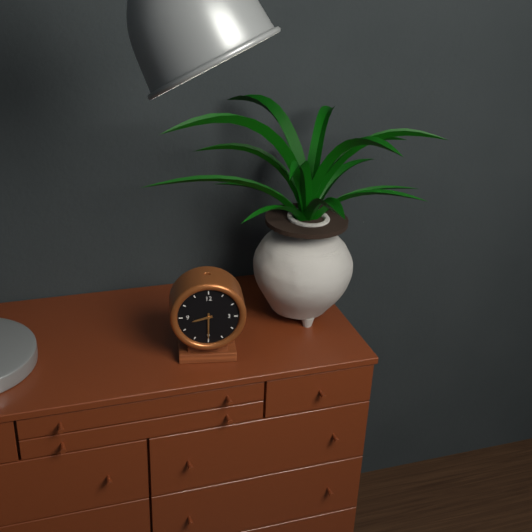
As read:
8:30
